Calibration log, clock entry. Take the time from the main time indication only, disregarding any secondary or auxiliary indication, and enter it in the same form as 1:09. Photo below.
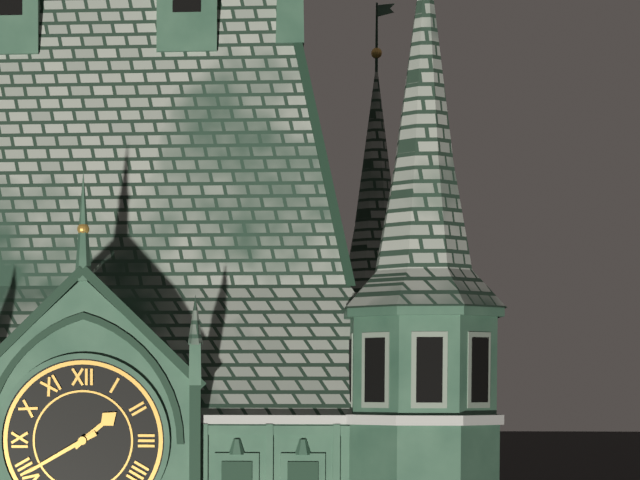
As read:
1:40
